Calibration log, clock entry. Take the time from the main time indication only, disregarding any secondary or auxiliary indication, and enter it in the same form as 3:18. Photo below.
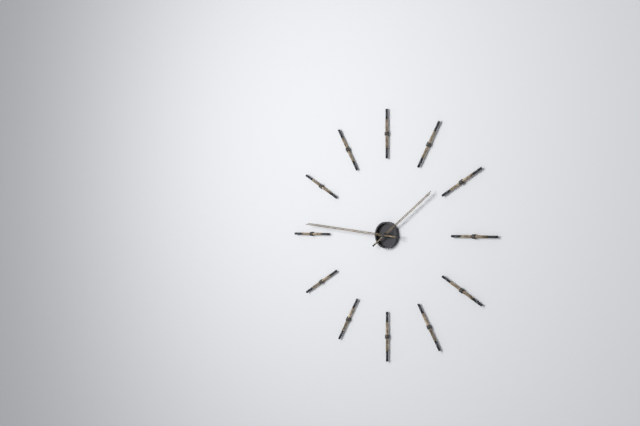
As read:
1:46
